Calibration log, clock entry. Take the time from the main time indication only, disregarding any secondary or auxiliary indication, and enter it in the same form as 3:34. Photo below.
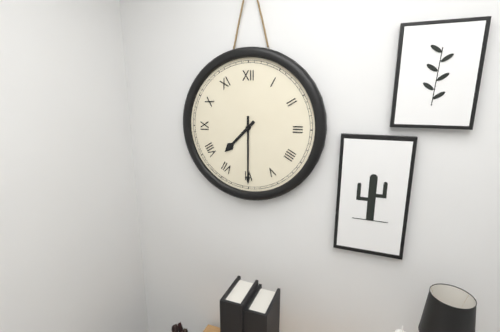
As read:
7:30
